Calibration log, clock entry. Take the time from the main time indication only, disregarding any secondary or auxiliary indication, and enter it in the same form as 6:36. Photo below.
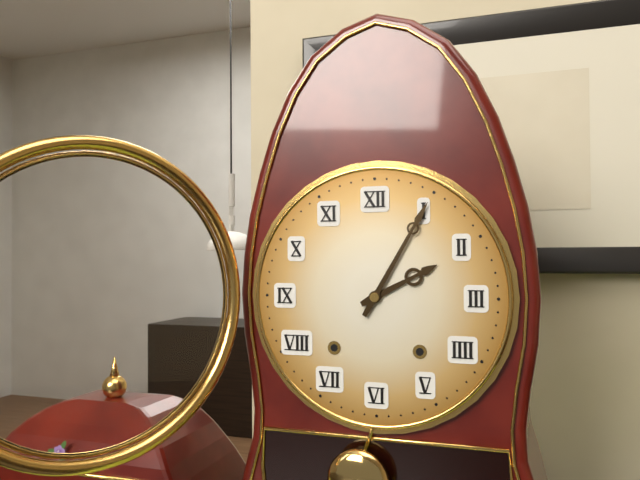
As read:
2:05
